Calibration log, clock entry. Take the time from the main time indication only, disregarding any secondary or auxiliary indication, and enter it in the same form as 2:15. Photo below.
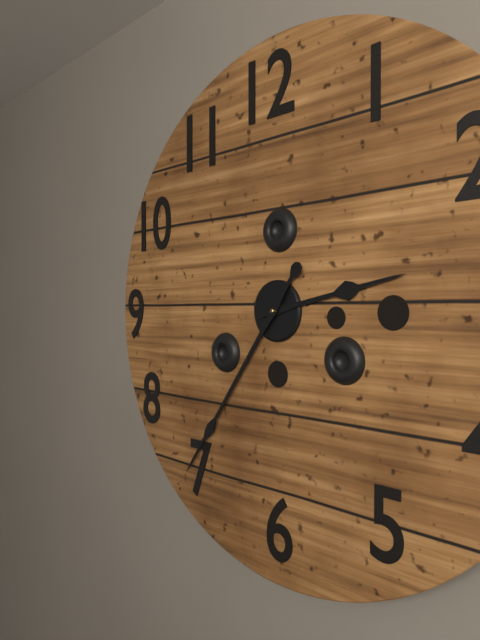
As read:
2:36
